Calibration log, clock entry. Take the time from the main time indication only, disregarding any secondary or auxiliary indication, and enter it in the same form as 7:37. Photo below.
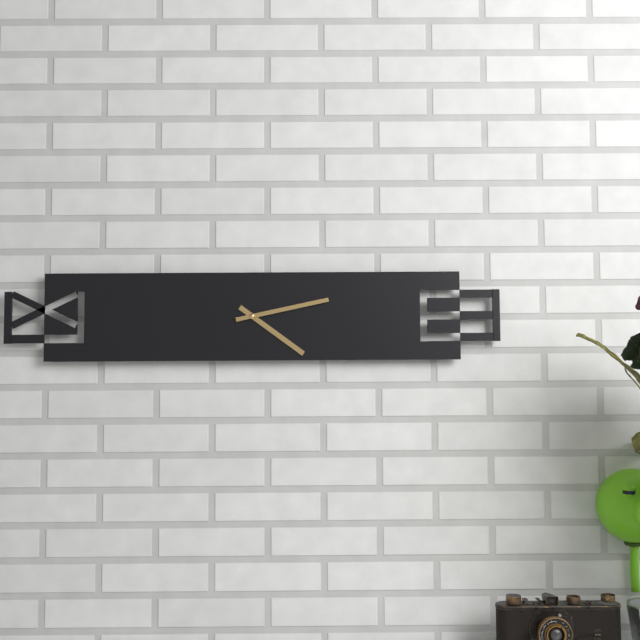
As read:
4:13
